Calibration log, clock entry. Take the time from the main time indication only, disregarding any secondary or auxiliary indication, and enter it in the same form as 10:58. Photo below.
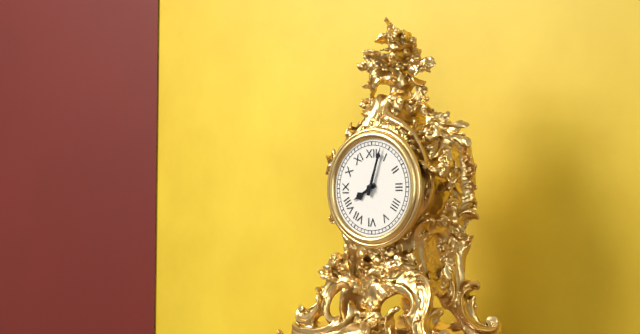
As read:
8:03
